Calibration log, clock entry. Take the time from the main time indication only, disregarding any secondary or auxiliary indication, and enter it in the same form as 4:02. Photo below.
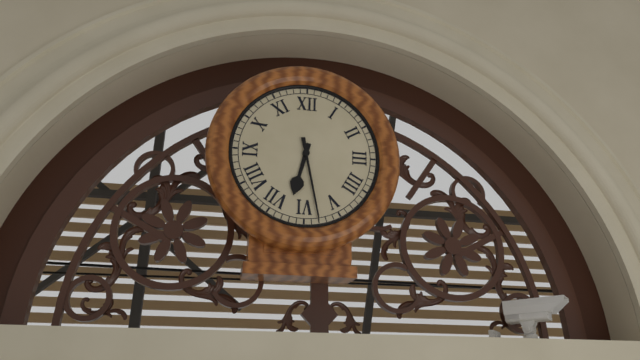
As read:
6:28
